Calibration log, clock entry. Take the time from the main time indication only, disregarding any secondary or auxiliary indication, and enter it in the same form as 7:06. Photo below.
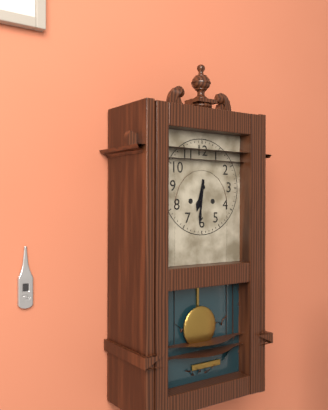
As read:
6:31
